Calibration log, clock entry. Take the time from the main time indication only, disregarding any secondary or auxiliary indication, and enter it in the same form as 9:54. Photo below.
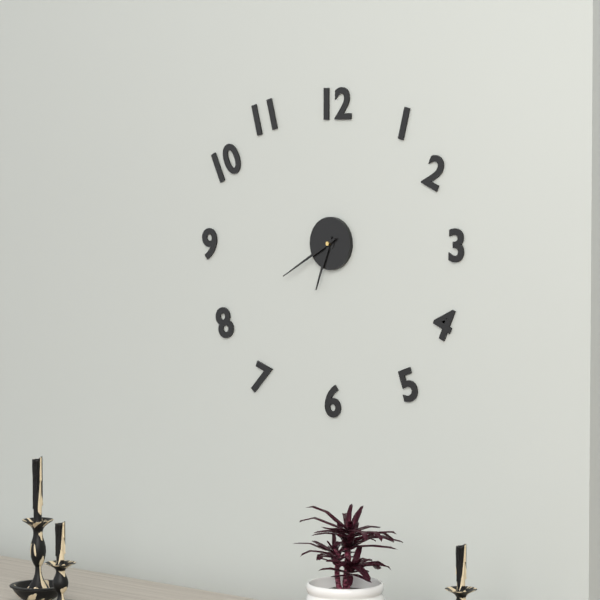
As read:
6:40
